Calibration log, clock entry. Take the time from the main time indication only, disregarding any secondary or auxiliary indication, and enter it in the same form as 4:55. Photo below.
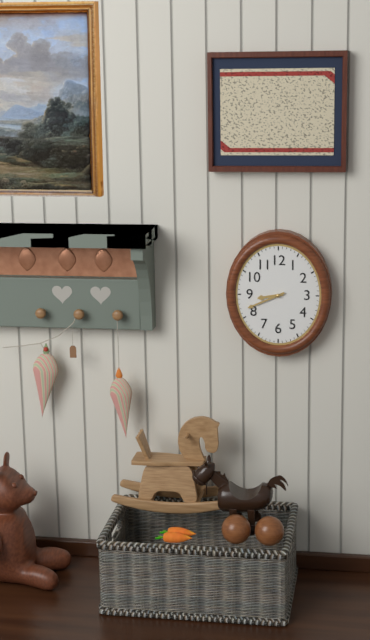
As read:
8:41
